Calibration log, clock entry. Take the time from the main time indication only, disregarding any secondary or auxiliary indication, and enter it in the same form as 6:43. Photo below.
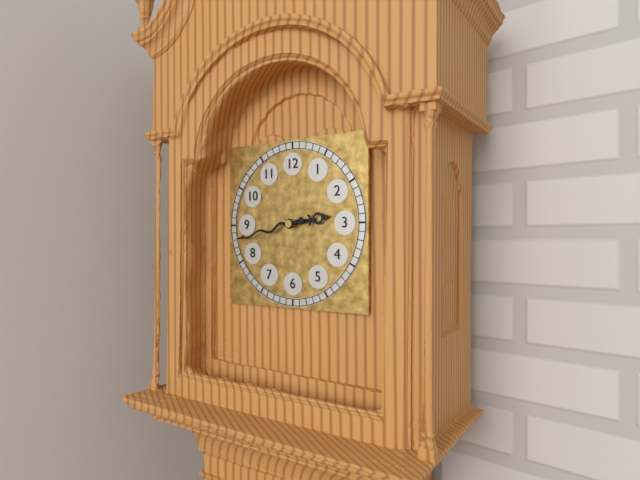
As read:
2:43
